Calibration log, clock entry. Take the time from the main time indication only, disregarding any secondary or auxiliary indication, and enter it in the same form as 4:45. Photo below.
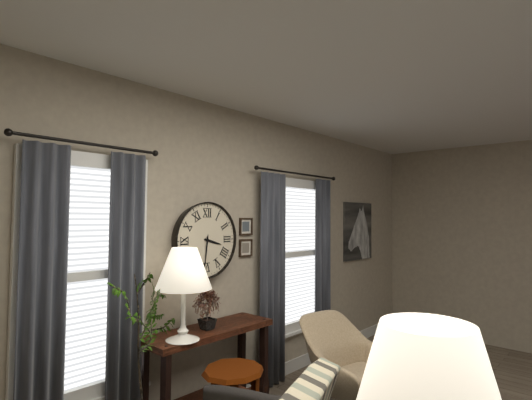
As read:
3:31
